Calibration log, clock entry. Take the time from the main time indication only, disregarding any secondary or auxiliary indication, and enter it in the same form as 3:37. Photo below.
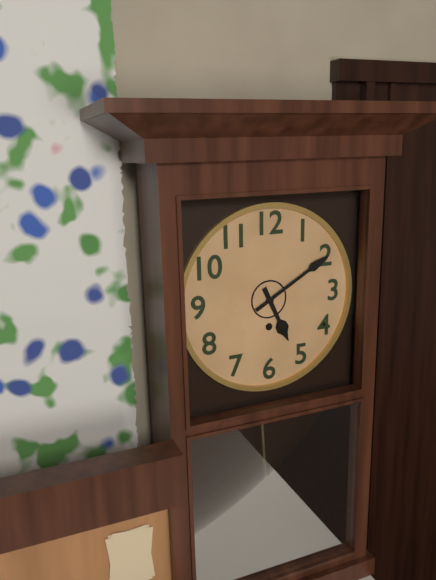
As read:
5:10
